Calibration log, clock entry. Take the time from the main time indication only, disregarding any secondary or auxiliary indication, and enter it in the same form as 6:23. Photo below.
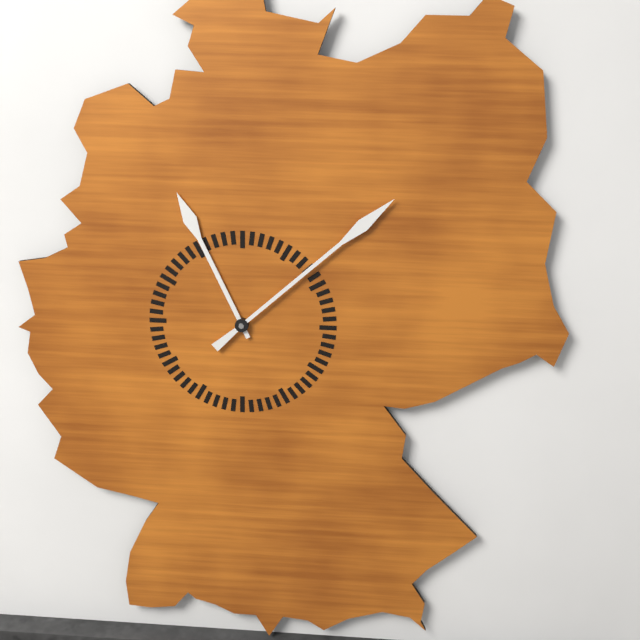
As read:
11:08
